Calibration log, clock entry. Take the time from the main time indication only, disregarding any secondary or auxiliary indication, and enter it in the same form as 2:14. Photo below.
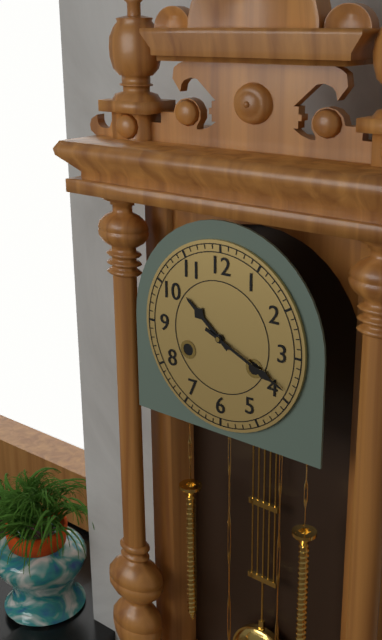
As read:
10:19
